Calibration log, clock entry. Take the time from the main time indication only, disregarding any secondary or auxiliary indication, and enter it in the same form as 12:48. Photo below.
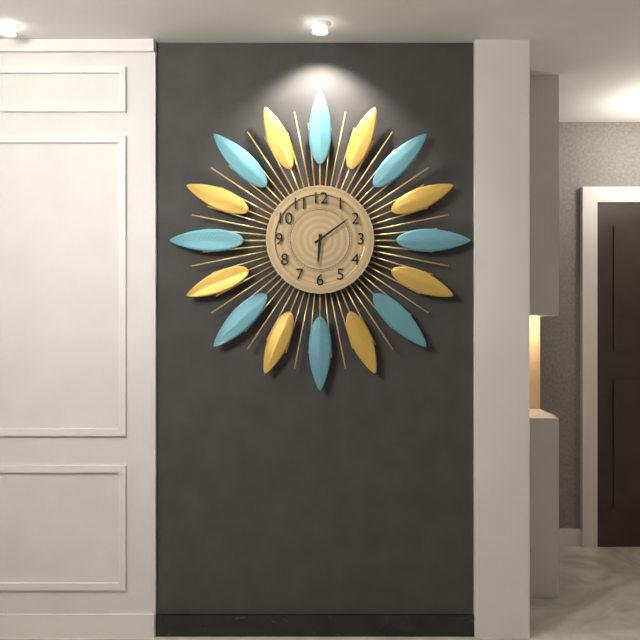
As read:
6:09
